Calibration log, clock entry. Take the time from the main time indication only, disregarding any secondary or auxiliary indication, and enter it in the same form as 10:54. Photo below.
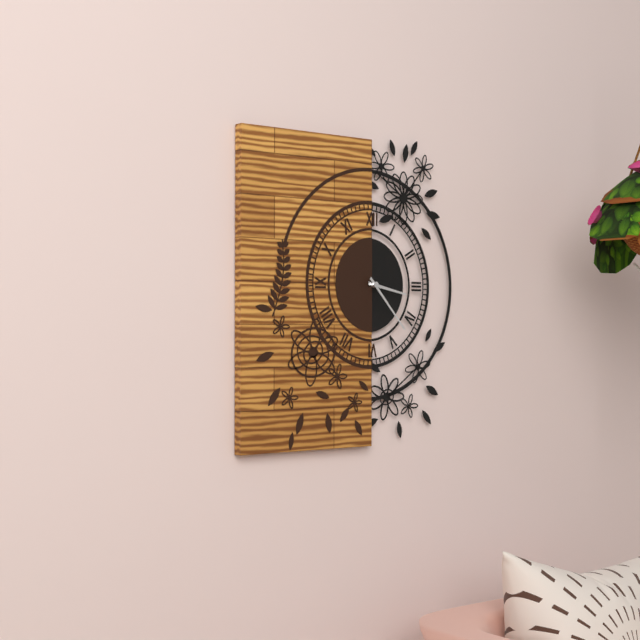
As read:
3:23
